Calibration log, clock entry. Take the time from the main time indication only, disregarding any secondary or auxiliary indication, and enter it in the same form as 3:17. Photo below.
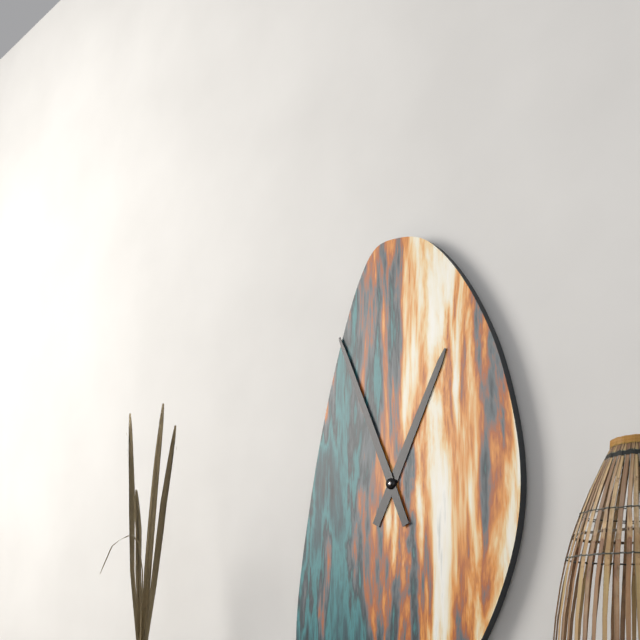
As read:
12:56
